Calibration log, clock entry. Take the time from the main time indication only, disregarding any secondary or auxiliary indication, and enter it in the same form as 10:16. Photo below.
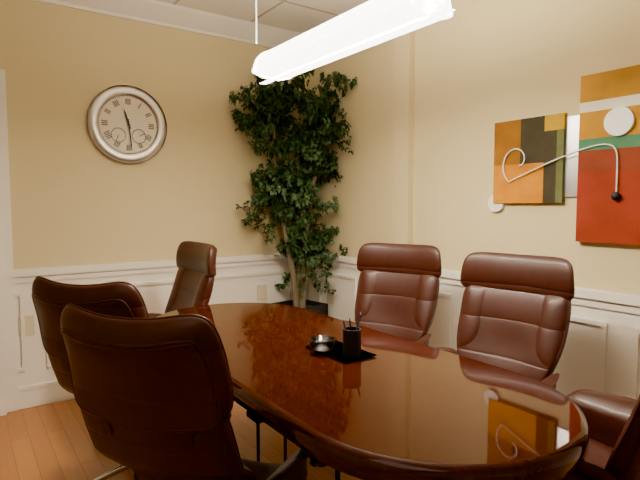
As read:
11:29
